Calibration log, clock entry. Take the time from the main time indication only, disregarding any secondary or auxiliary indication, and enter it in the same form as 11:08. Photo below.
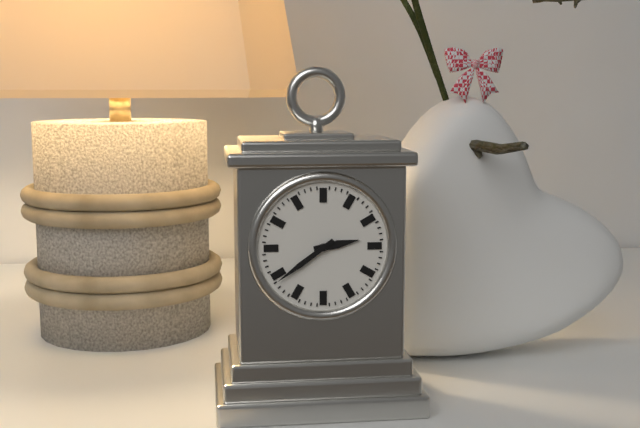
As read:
2:39
